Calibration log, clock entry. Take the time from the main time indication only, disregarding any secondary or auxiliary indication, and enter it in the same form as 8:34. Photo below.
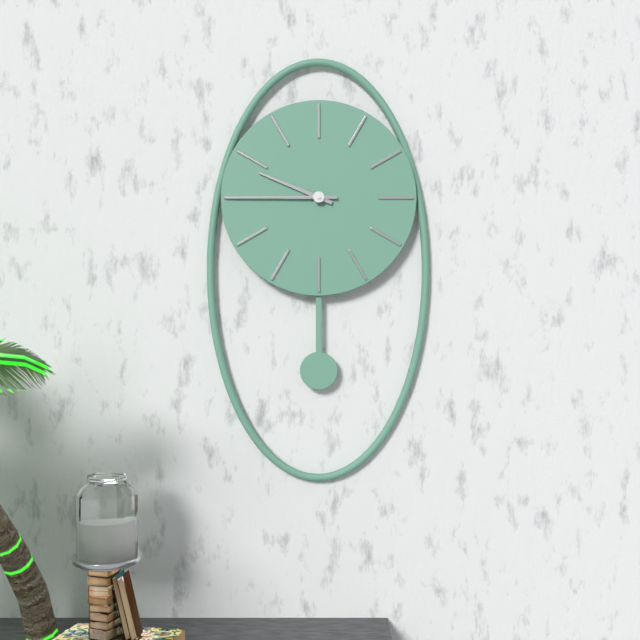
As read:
9:45
